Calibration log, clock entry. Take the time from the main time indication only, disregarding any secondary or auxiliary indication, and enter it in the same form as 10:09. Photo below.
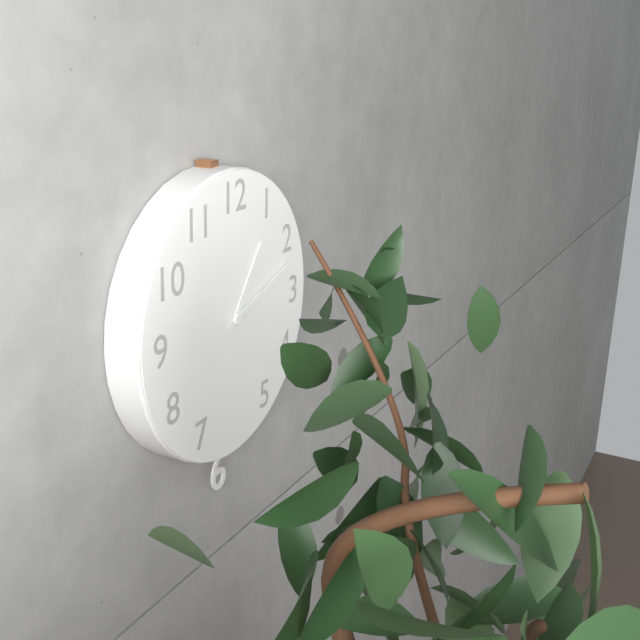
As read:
1:12
